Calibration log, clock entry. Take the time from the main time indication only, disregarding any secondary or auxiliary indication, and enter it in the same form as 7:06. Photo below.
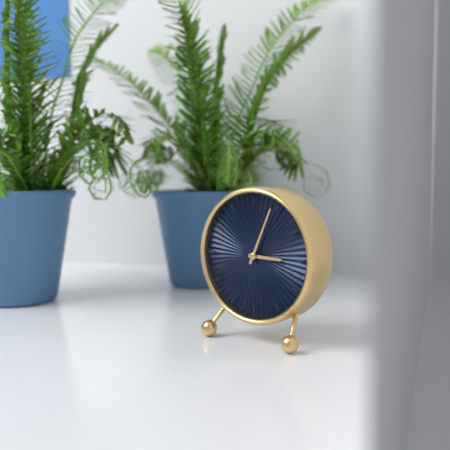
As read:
3:04
